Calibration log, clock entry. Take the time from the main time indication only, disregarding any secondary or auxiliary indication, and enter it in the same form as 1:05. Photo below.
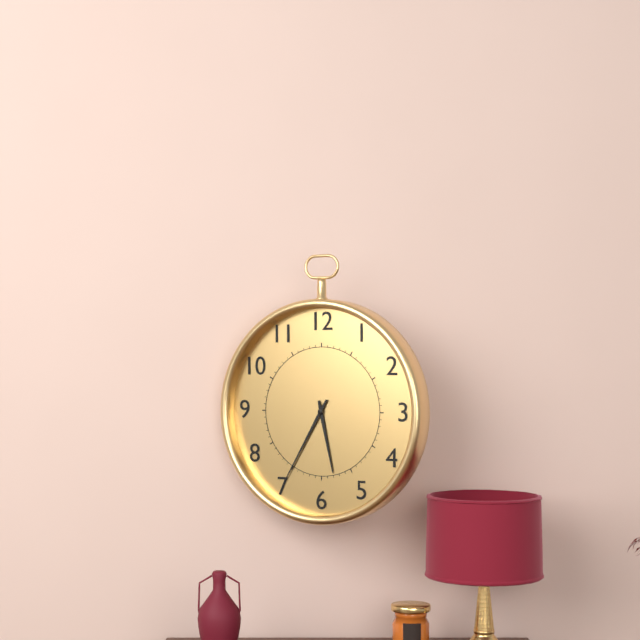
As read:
5:35
